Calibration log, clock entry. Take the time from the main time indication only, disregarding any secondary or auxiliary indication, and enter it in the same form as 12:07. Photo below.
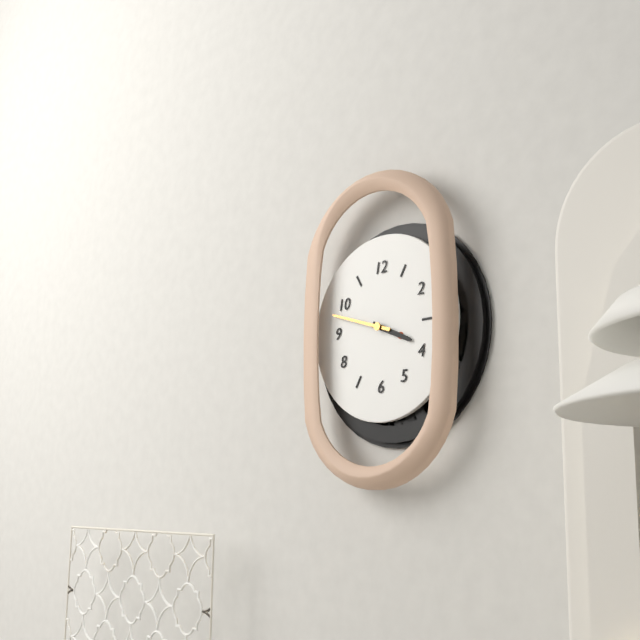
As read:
3:48
